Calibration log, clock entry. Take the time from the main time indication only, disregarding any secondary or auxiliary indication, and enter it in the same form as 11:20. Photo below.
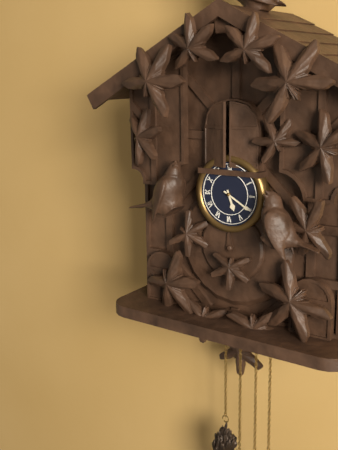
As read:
5:20
